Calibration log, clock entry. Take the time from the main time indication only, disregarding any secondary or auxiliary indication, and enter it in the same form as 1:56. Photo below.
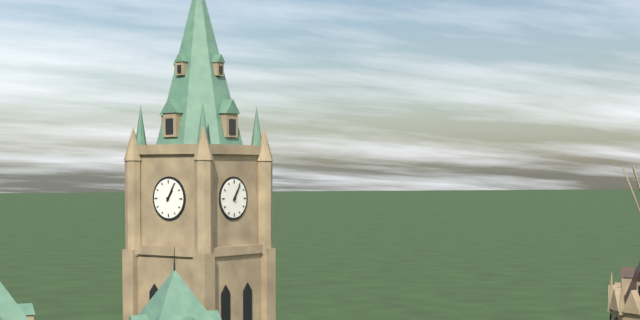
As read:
1:05
